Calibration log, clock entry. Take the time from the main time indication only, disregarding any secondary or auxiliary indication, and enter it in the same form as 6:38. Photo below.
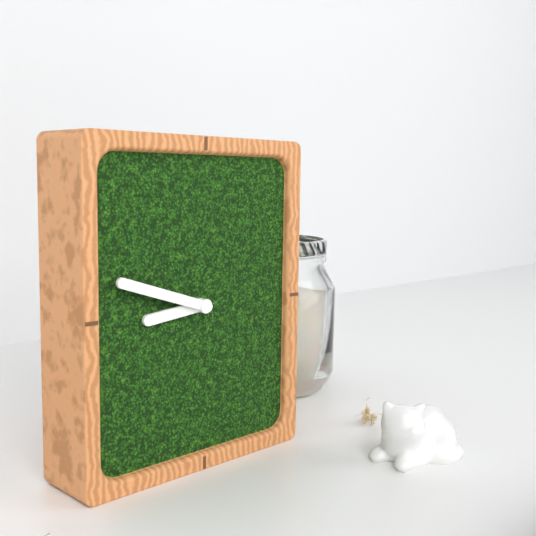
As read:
8:48
